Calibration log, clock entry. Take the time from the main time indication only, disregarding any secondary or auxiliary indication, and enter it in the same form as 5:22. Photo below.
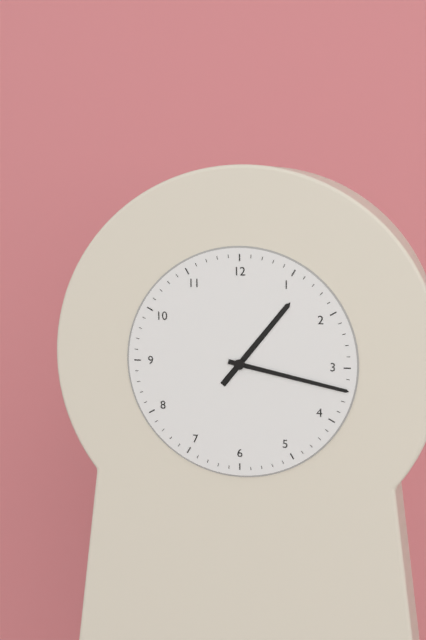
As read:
1:17
